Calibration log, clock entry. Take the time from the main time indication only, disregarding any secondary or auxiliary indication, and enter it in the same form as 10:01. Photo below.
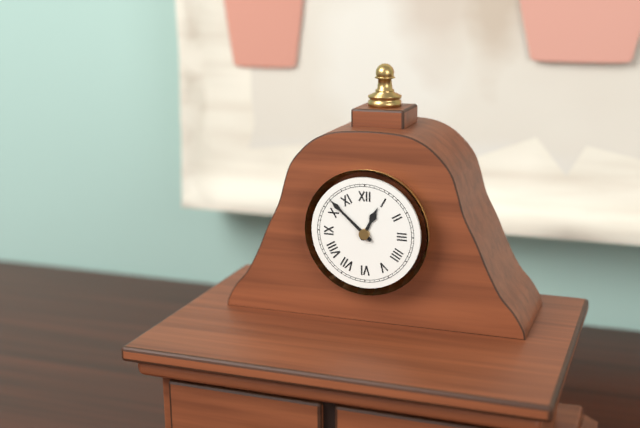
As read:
12:52
